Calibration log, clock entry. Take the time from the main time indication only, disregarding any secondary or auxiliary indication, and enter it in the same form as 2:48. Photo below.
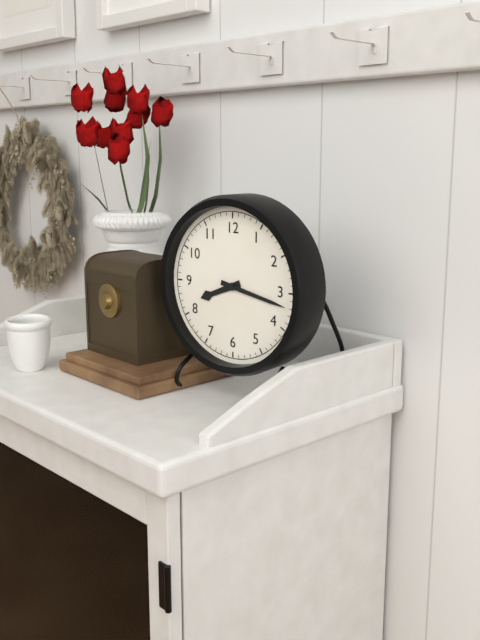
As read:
8:17
